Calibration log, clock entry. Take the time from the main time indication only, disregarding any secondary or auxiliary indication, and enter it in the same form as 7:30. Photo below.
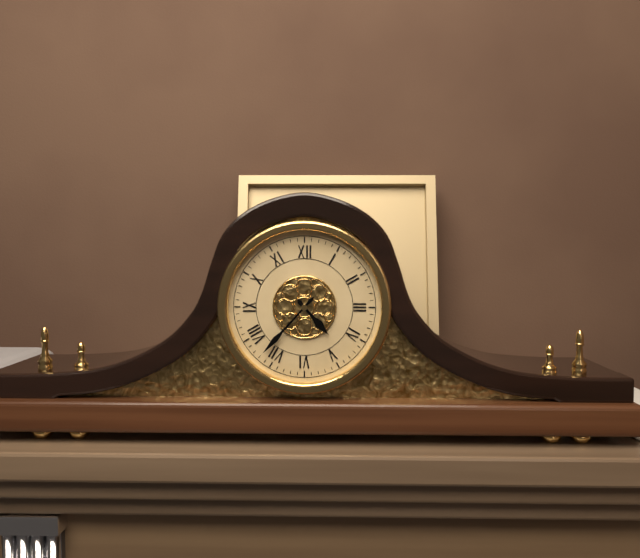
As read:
4:37
